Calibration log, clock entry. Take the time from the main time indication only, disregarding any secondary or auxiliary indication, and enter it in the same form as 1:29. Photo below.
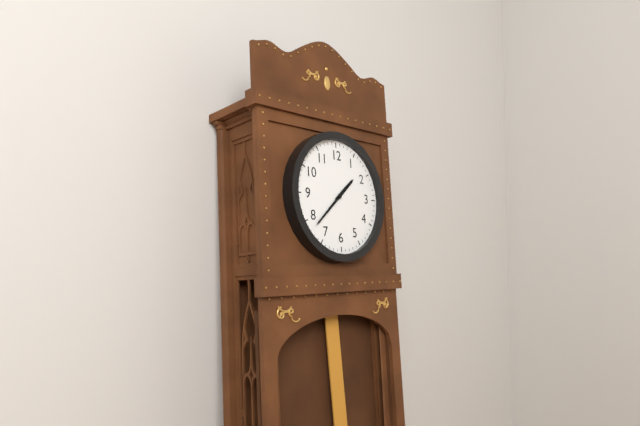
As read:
1:38
